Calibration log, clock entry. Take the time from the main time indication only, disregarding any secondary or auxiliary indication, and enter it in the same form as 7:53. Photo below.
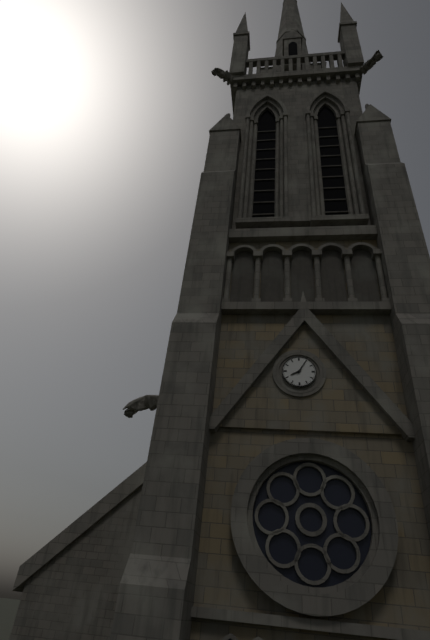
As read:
8:05
